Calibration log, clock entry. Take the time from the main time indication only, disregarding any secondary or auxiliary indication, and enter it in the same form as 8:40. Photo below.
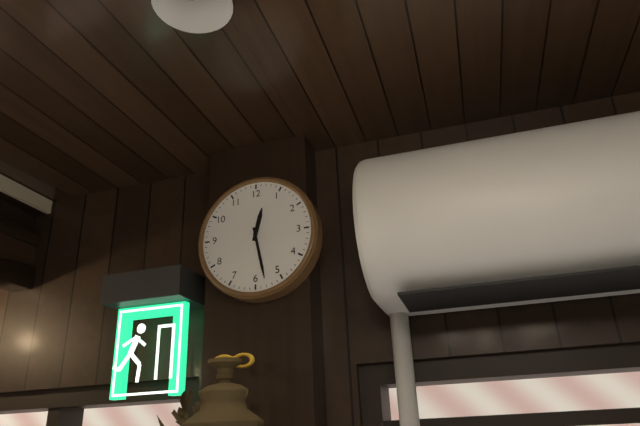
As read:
12:28
